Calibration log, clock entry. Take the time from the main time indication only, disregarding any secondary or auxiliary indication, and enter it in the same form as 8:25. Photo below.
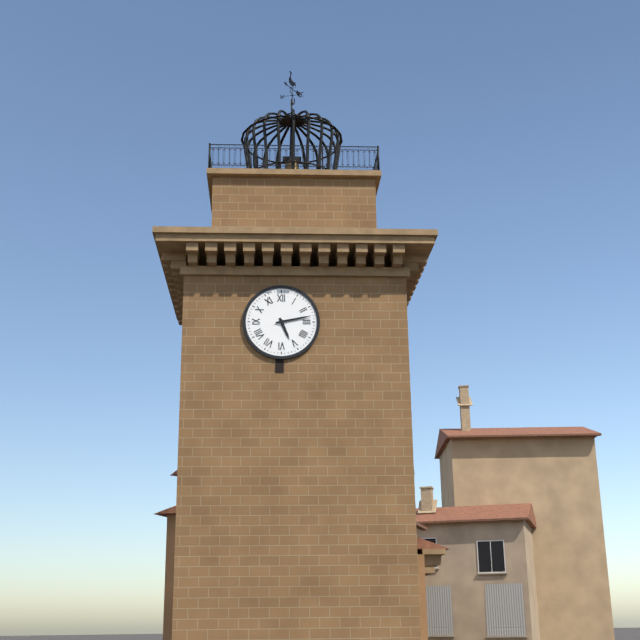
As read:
5:13
